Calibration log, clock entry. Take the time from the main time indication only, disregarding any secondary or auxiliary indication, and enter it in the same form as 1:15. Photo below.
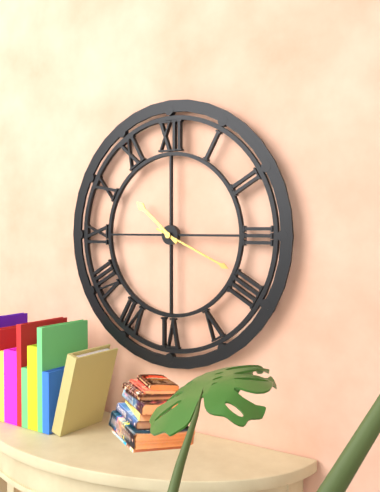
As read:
10:19
